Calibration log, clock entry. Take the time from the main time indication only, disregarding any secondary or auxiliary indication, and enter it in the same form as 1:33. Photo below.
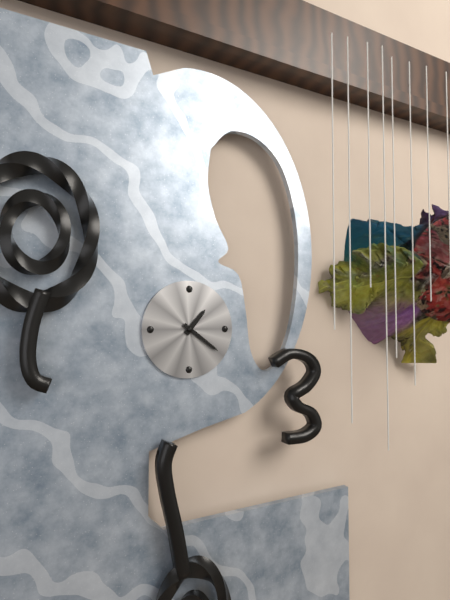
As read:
1:21
